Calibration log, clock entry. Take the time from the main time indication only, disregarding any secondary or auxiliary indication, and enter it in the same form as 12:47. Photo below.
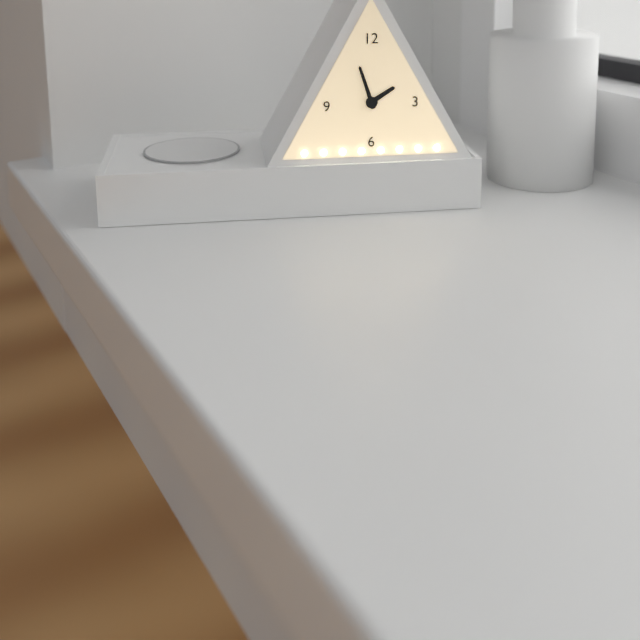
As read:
1:57
